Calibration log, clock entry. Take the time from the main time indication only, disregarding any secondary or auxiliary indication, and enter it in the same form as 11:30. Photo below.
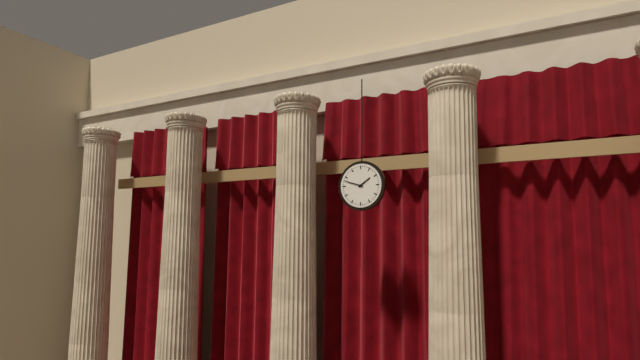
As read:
1:48
